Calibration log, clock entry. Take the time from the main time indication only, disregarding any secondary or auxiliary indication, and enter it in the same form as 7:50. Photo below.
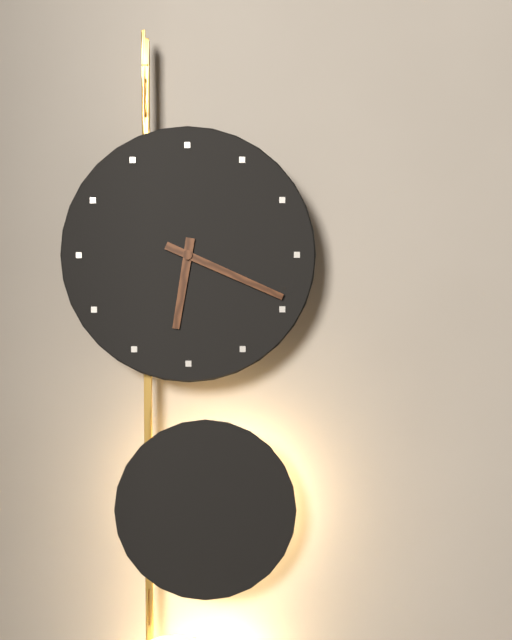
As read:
6:19
